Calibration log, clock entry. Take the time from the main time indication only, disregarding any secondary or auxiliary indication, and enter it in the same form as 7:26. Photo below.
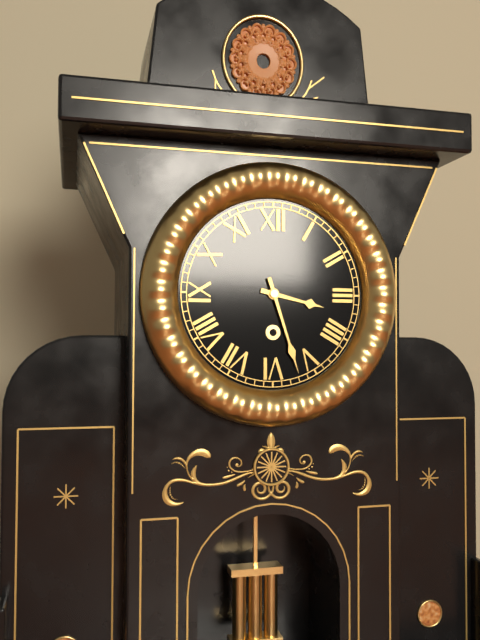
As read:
3:27
